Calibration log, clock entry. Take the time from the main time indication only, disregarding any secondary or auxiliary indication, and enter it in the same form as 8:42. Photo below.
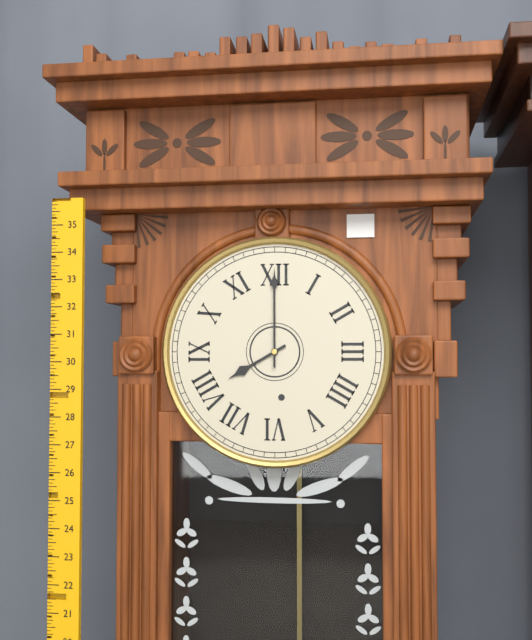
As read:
8:00
